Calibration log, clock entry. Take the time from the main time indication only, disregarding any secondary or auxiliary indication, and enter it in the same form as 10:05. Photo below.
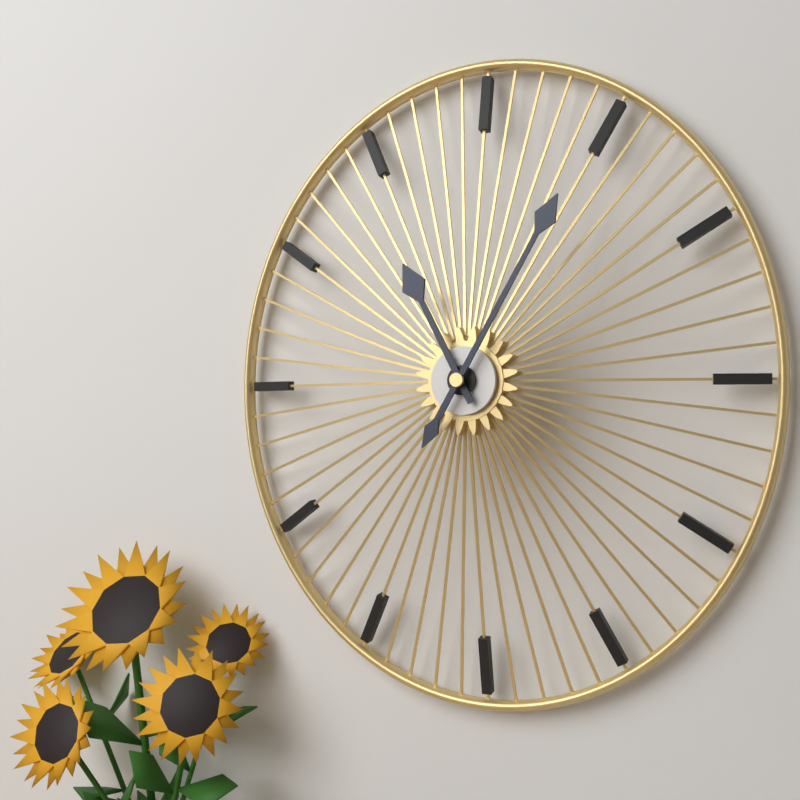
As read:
11:05
